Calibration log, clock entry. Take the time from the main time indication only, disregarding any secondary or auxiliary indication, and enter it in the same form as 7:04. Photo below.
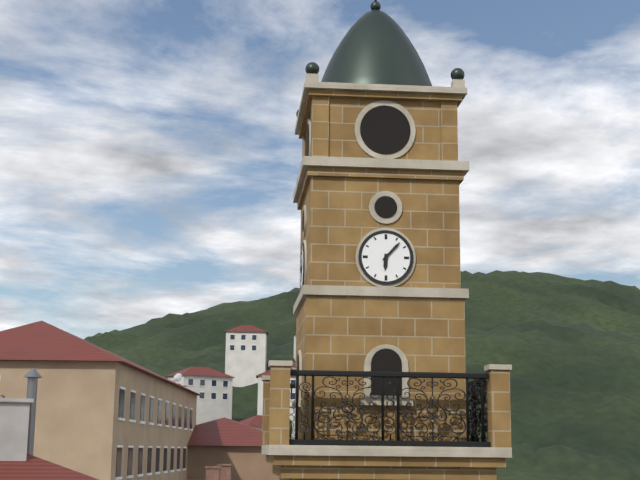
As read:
6:07
